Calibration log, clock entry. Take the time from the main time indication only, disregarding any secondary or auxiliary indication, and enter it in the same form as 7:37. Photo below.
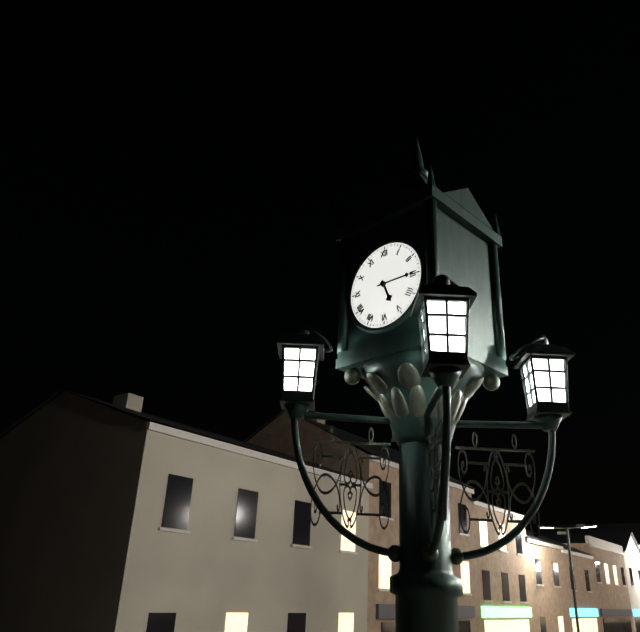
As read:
5:15
